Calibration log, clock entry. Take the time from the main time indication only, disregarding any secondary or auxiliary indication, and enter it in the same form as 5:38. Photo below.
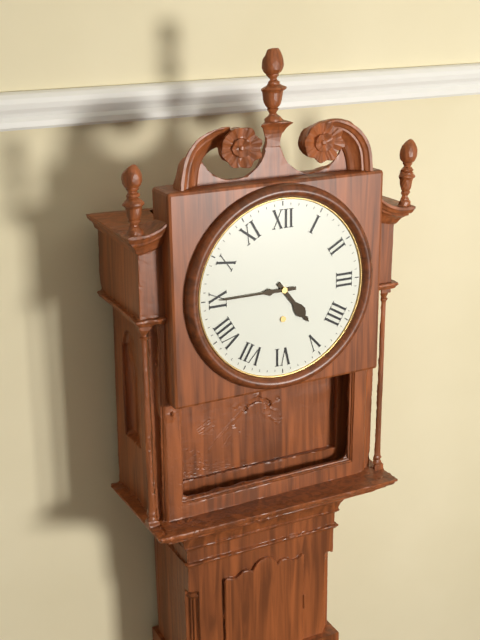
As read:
4:45
